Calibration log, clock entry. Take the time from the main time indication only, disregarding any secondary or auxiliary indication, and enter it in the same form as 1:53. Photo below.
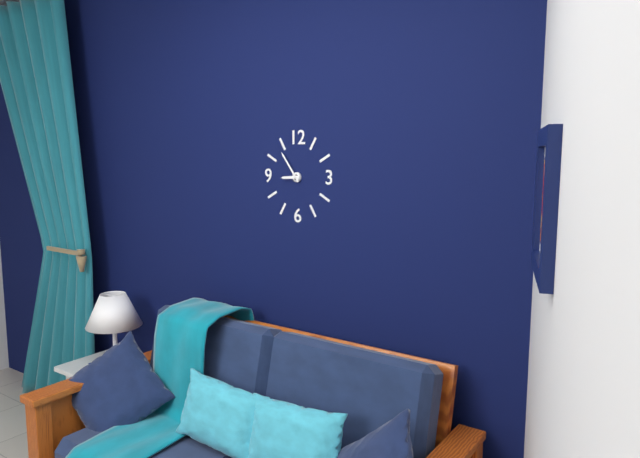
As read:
8:54
